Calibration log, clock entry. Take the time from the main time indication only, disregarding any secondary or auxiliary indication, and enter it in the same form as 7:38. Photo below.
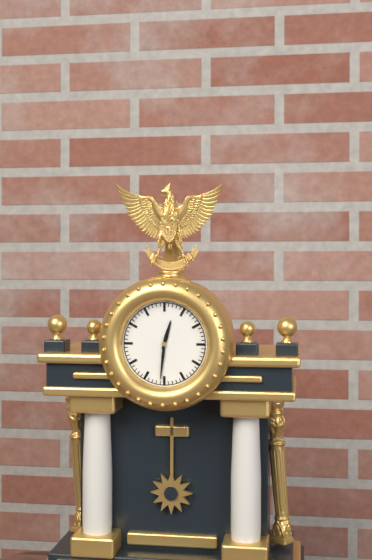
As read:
12:31
